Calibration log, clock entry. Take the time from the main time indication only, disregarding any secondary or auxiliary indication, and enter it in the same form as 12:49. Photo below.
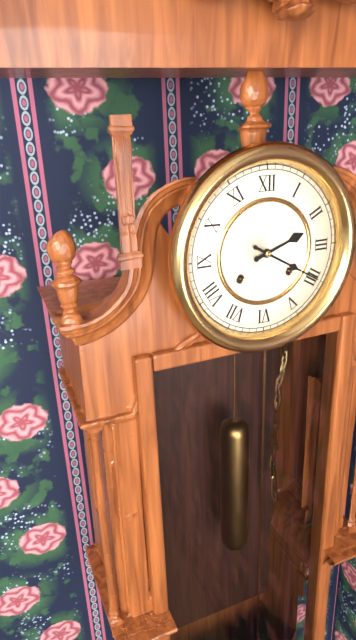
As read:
2:20
